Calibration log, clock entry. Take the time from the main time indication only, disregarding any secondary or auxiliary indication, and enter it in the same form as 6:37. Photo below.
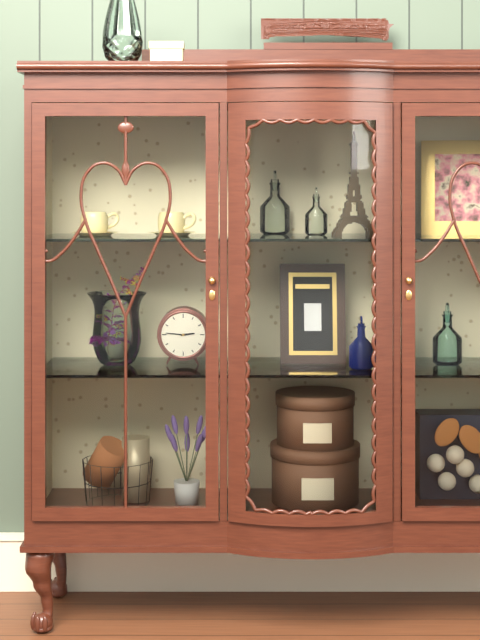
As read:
2:46
